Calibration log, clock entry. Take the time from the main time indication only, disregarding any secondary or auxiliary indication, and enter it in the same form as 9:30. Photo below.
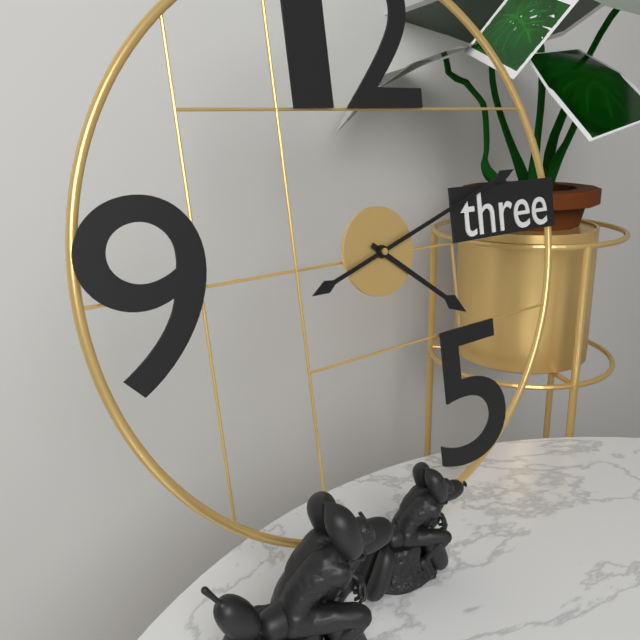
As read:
4:12
